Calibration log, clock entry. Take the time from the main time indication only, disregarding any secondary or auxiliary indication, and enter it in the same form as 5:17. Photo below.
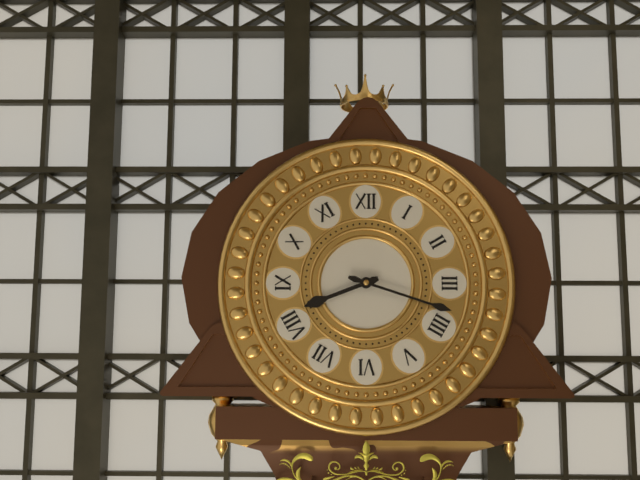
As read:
8:18
